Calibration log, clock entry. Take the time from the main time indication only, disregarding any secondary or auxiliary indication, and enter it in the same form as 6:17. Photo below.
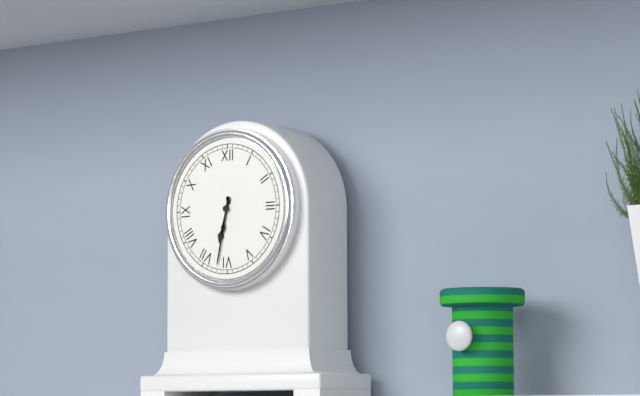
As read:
6:32
